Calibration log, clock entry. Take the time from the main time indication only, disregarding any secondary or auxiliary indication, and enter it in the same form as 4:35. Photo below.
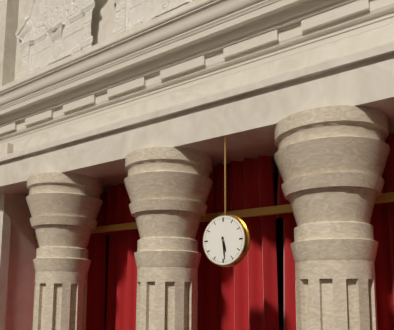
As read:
5:29
